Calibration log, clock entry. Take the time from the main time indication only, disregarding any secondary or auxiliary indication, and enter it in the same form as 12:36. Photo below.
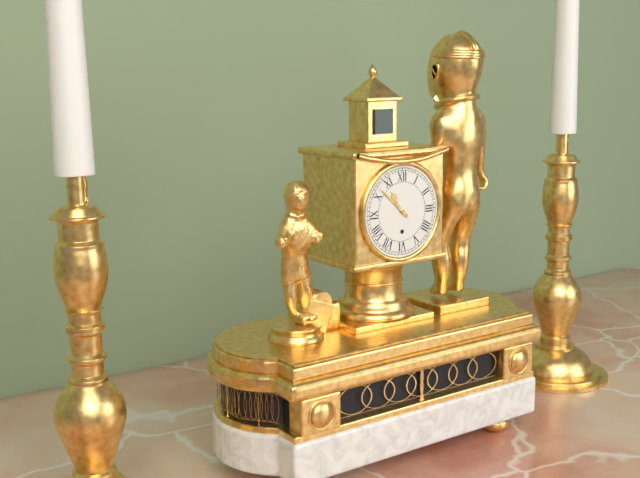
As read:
10:52
